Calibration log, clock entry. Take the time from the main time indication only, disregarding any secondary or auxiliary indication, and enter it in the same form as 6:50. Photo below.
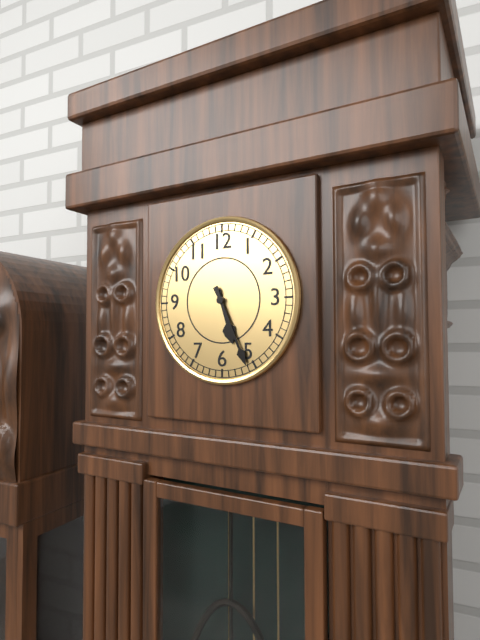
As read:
5:26
